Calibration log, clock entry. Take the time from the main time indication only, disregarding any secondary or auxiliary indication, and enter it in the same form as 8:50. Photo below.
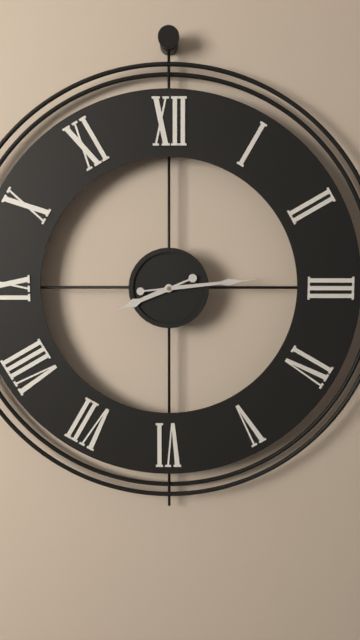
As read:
8:14
